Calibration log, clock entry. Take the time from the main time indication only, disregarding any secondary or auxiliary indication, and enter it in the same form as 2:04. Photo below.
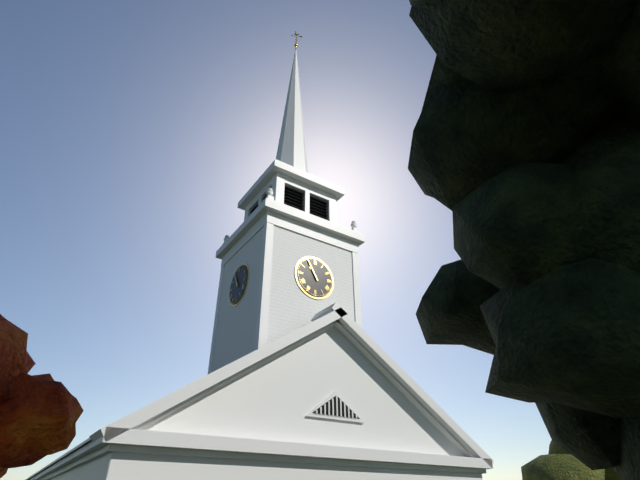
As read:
10:55
